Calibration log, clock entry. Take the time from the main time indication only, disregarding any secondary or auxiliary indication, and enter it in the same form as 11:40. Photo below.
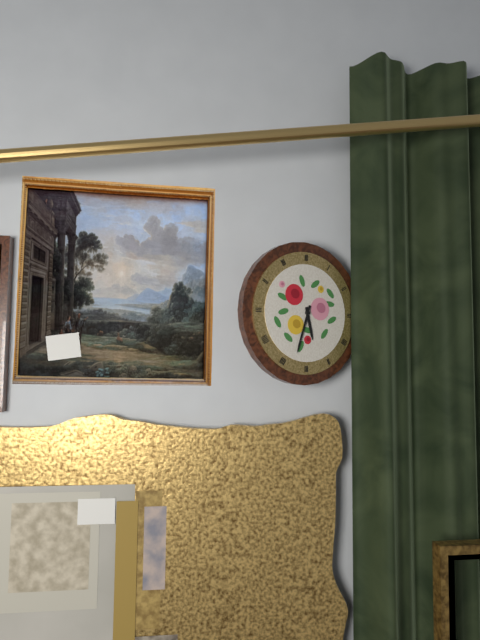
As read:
5:33
